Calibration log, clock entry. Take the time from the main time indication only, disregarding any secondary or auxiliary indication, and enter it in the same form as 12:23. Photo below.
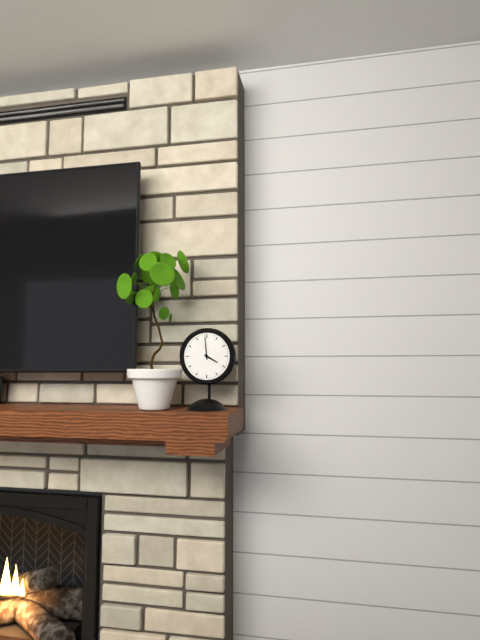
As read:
3:59
